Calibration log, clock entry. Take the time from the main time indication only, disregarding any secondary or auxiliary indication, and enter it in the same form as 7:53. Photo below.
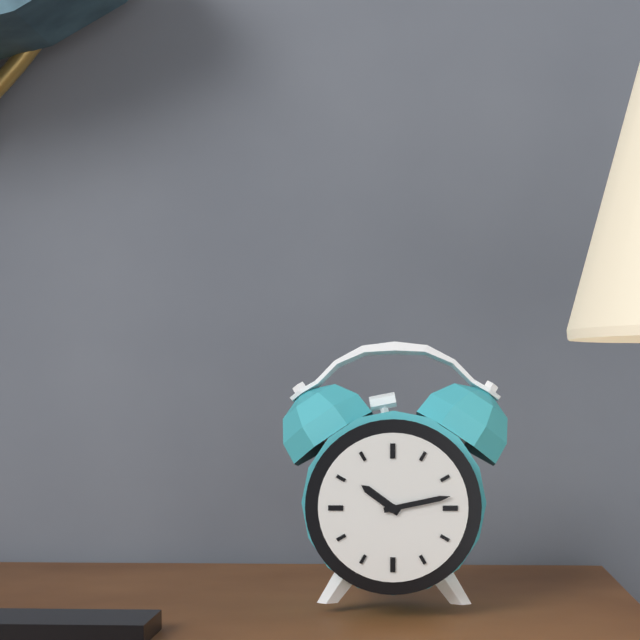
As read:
10:13
